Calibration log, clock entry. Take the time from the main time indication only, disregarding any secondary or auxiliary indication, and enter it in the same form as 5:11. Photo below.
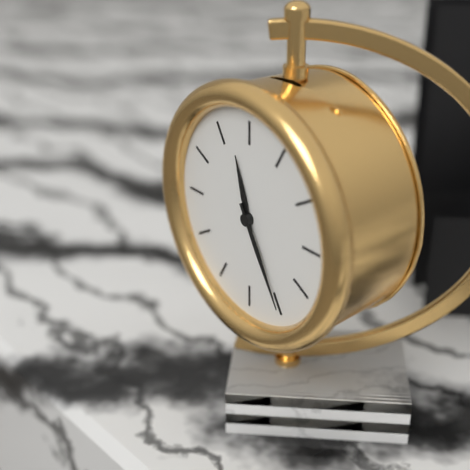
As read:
11:25
